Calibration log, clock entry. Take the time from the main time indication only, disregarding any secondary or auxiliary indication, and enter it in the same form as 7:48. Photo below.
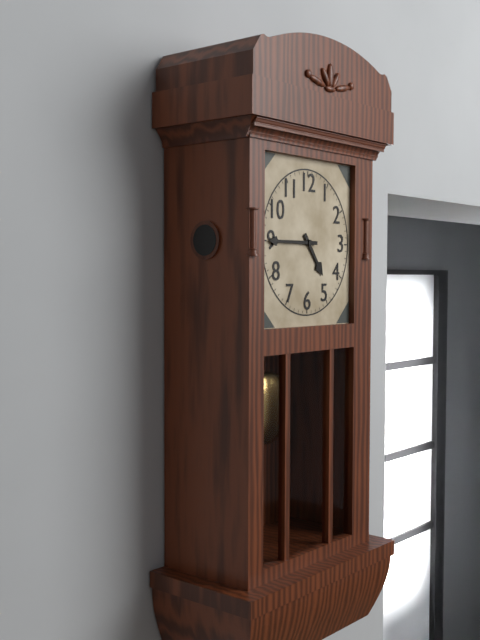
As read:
4:45
